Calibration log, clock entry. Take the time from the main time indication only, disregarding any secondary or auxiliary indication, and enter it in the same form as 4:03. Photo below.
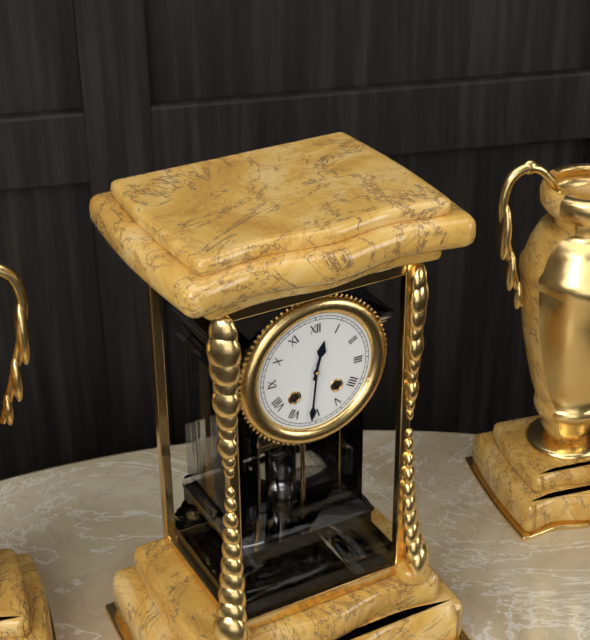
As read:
12:31
